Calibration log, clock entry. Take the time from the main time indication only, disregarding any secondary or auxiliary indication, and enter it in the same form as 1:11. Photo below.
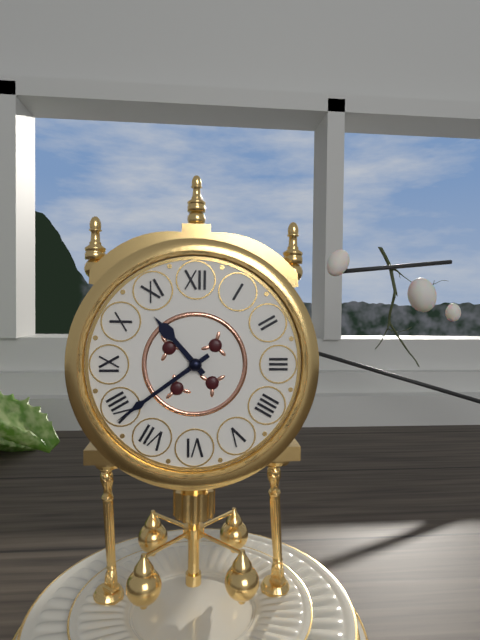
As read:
10:39
